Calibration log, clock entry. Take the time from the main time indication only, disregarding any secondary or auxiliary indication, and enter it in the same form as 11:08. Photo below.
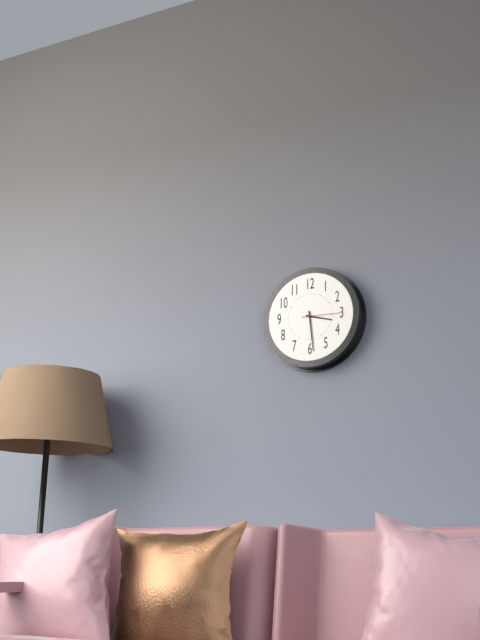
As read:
3:29
